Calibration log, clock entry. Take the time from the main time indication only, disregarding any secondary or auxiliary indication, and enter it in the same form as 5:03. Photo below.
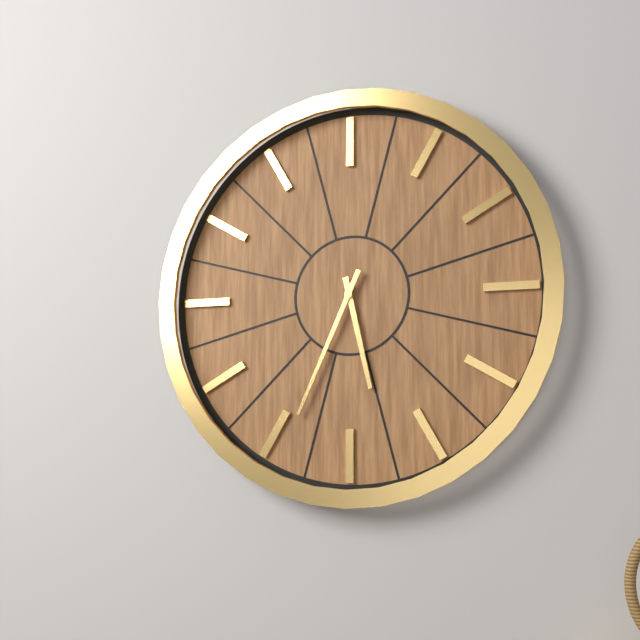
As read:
5:34
